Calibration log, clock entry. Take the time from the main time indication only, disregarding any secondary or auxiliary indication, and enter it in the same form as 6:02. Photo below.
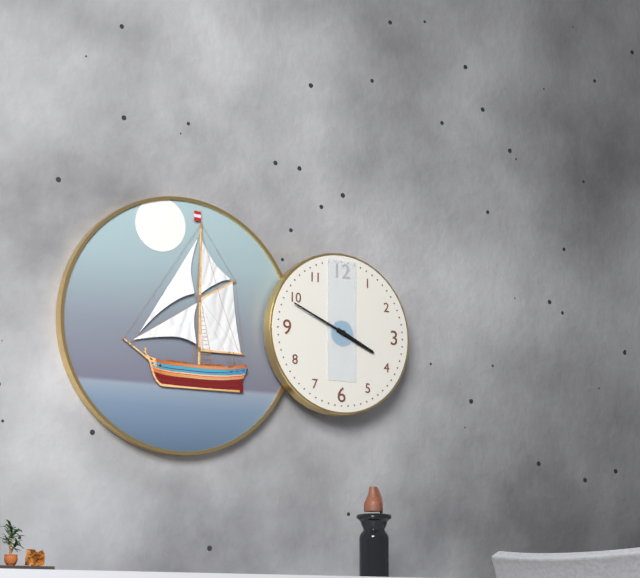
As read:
3:49
